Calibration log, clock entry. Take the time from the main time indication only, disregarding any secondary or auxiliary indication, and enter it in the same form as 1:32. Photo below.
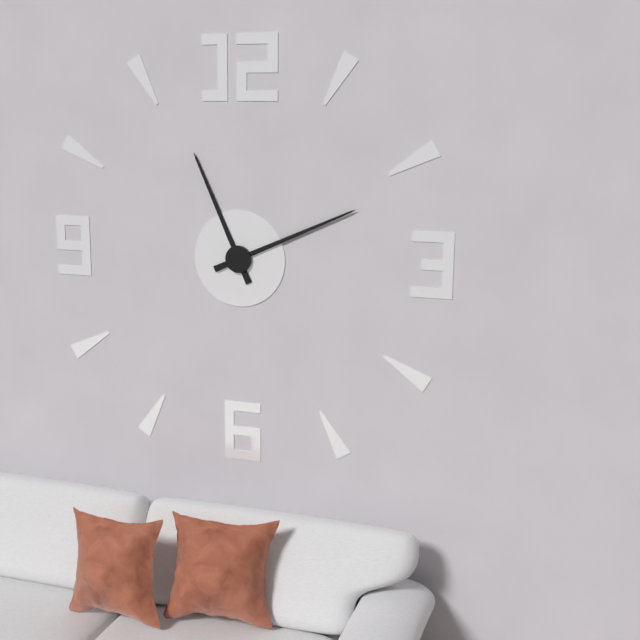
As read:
11:11
